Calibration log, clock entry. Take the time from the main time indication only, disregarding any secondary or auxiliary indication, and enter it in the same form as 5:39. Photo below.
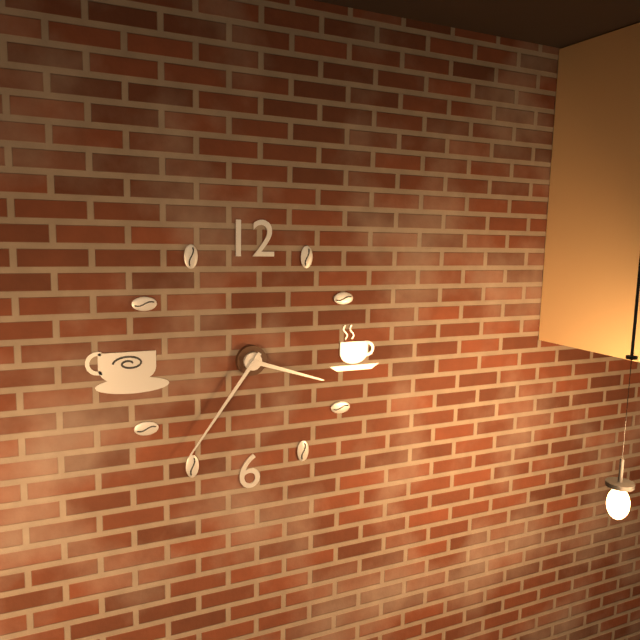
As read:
3:36
